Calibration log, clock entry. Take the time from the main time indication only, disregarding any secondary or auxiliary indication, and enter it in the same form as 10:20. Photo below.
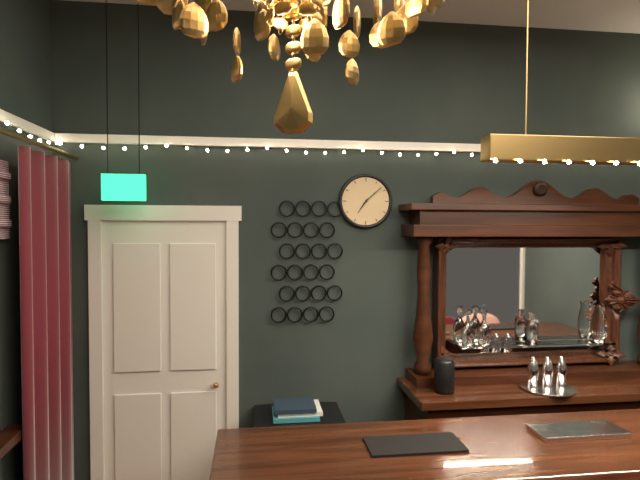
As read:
7:08
